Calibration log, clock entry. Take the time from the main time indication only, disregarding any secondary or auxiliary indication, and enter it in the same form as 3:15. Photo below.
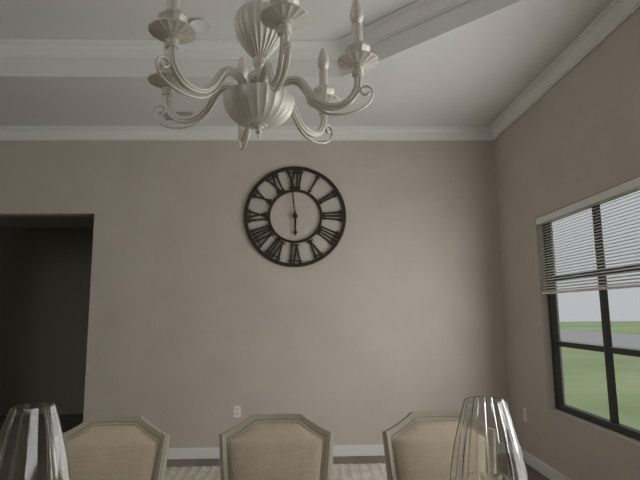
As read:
5:59
